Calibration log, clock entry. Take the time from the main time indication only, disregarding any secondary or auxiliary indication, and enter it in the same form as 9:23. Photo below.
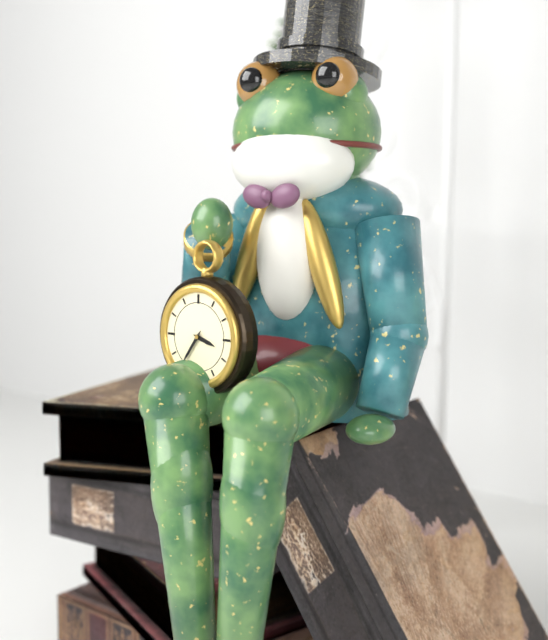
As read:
3:36
